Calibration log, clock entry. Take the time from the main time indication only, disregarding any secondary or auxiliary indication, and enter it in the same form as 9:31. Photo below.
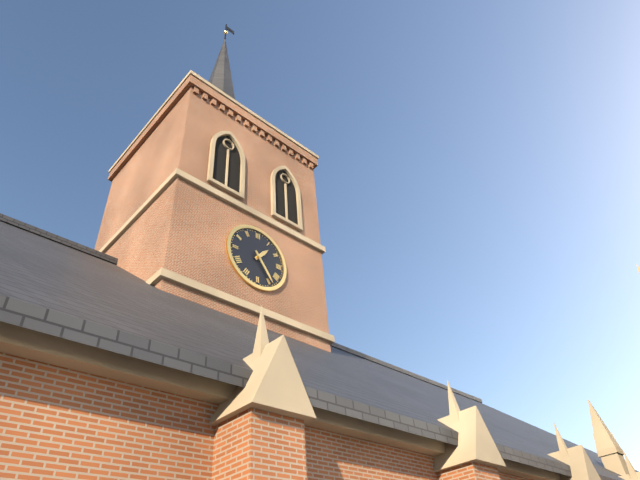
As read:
1:24
